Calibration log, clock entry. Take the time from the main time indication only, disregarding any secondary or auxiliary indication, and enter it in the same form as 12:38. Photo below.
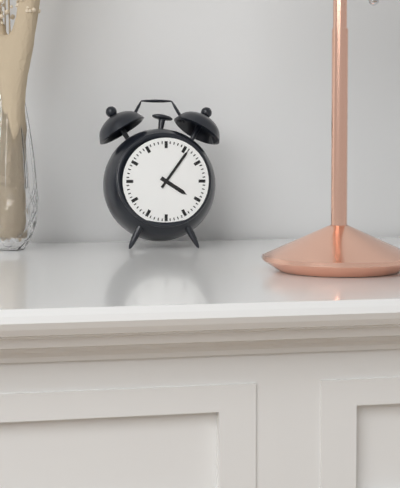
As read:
4:06
